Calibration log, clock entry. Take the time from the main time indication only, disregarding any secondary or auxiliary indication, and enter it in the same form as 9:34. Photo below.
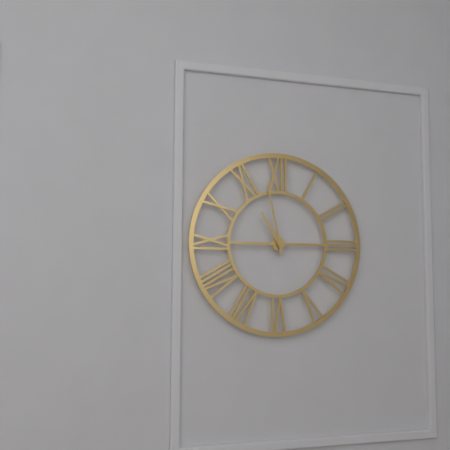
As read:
10:58
